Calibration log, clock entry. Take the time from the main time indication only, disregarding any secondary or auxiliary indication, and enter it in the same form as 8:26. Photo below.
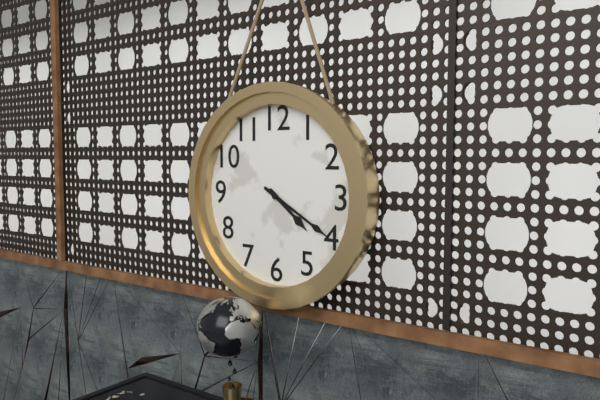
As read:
4:20
